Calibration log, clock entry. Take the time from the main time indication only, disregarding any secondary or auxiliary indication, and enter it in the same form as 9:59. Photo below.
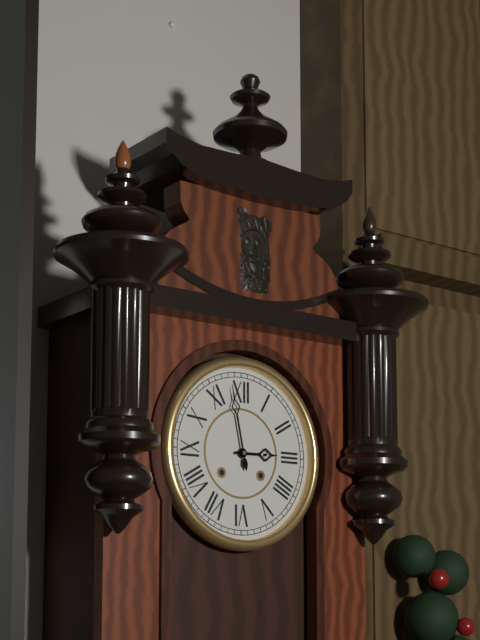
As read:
2:58
